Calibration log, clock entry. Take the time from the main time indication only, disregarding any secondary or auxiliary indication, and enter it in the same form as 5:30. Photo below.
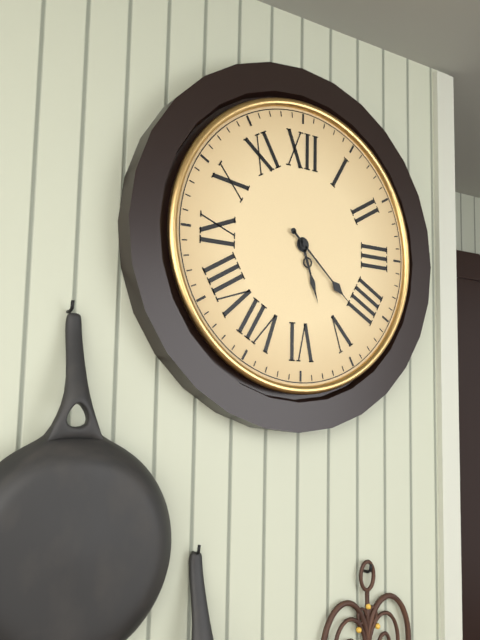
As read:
5:22
